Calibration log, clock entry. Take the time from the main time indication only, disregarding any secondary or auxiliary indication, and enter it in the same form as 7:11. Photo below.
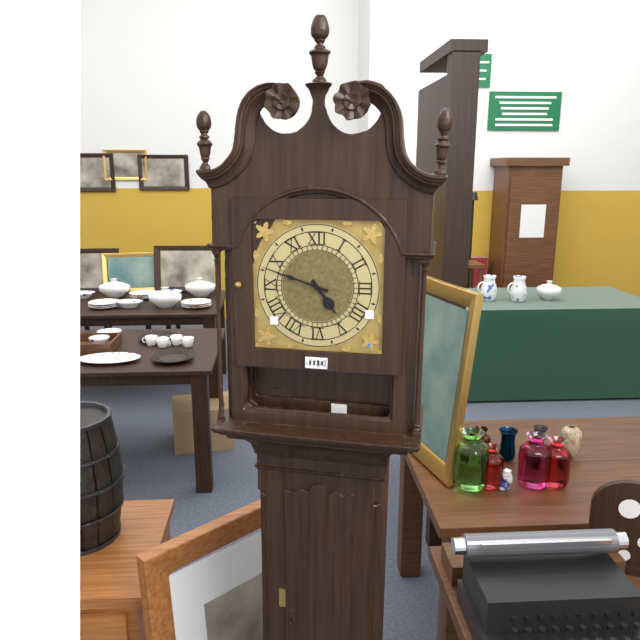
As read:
4:48
